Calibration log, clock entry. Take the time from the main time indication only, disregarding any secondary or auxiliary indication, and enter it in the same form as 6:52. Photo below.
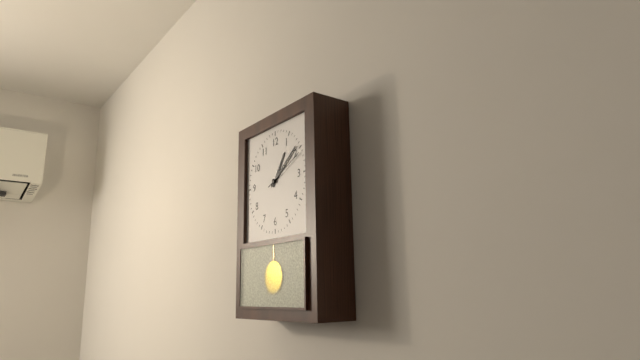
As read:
1:09
